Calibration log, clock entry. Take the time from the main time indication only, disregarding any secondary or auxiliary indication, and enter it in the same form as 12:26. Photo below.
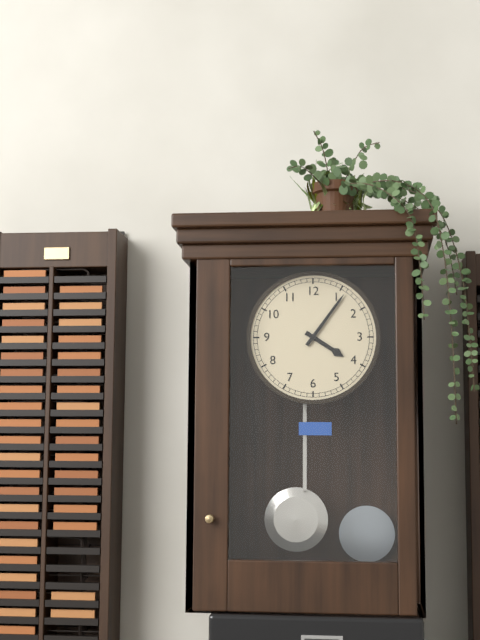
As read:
4:06
